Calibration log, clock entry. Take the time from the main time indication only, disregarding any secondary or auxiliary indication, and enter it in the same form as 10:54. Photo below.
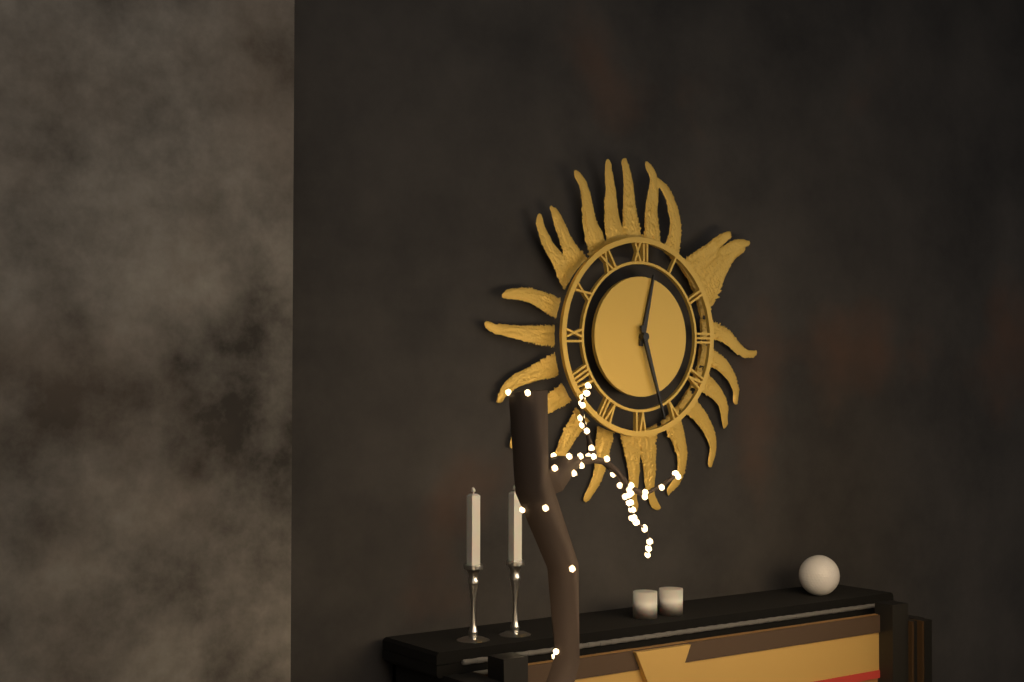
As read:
12:27
